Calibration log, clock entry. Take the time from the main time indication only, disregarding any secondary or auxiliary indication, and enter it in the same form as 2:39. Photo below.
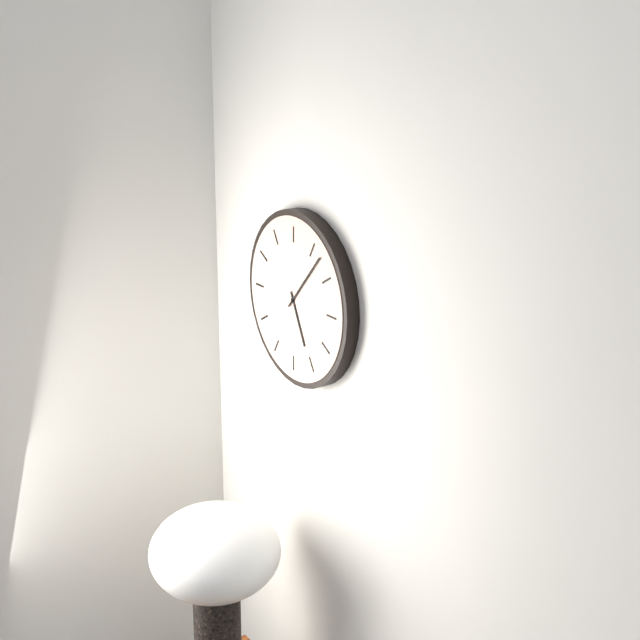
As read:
5:07
